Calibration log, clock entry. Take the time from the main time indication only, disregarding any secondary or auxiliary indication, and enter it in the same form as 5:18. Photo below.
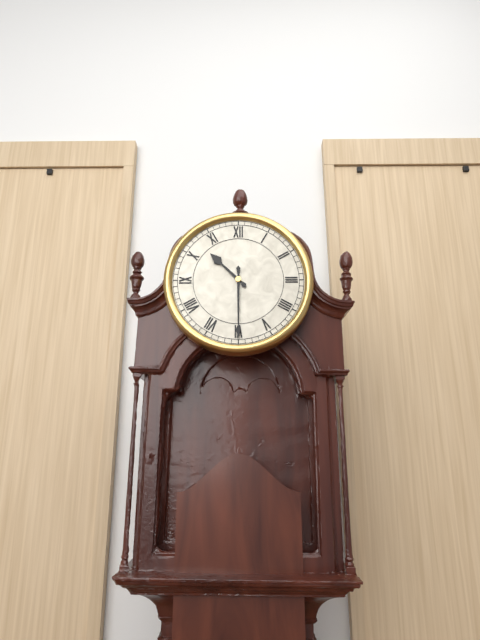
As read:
10:30
